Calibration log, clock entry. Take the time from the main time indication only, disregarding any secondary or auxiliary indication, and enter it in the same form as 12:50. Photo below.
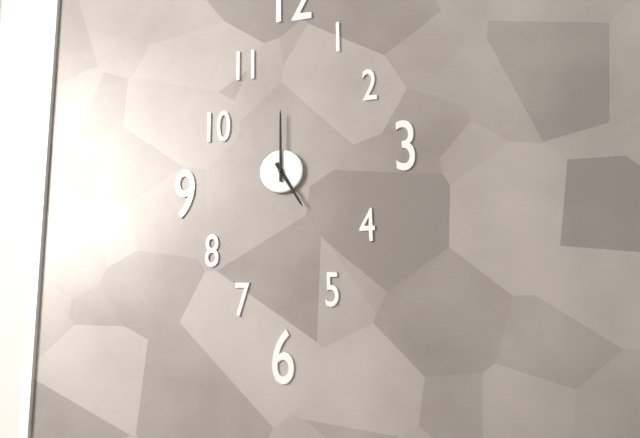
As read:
5:00
